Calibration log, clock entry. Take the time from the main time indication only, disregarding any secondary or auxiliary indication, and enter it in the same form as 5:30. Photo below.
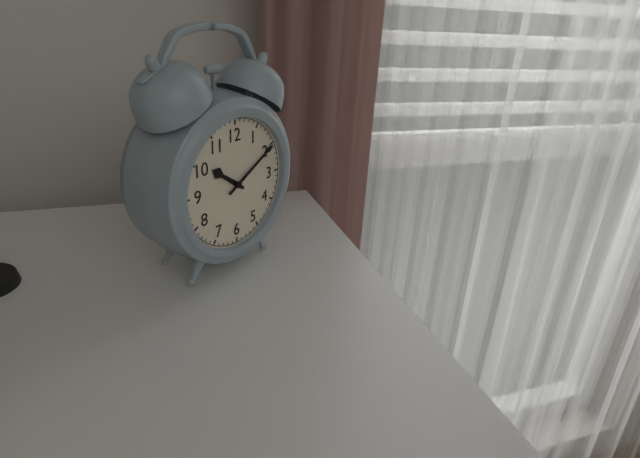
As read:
10:10
